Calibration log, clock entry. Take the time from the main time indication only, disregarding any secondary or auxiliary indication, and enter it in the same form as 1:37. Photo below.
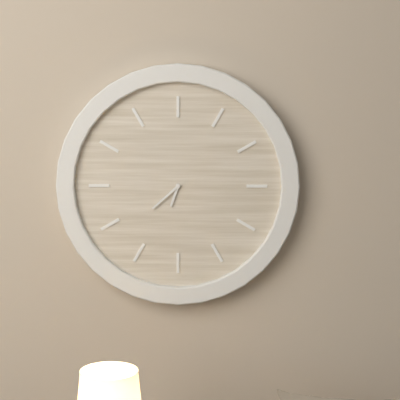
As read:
6:38
